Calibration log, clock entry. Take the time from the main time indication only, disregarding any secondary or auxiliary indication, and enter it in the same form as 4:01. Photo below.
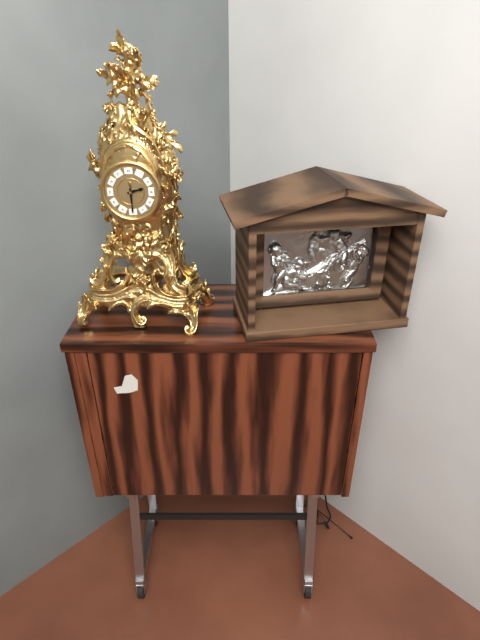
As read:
2:30
